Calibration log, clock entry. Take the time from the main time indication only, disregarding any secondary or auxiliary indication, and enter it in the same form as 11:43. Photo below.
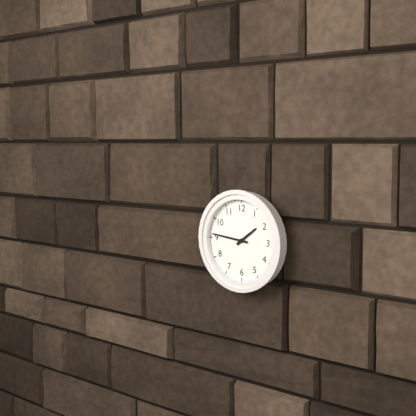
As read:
1:46
